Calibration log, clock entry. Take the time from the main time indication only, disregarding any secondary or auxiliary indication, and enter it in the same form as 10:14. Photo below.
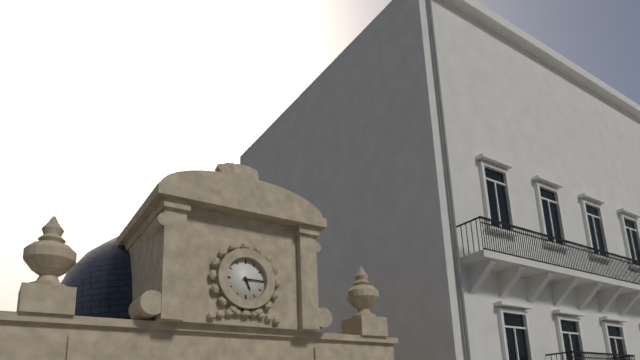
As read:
5:15
